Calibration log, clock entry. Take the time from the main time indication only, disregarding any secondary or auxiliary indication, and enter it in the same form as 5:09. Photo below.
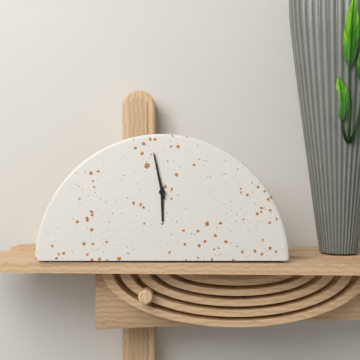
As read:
5:58
